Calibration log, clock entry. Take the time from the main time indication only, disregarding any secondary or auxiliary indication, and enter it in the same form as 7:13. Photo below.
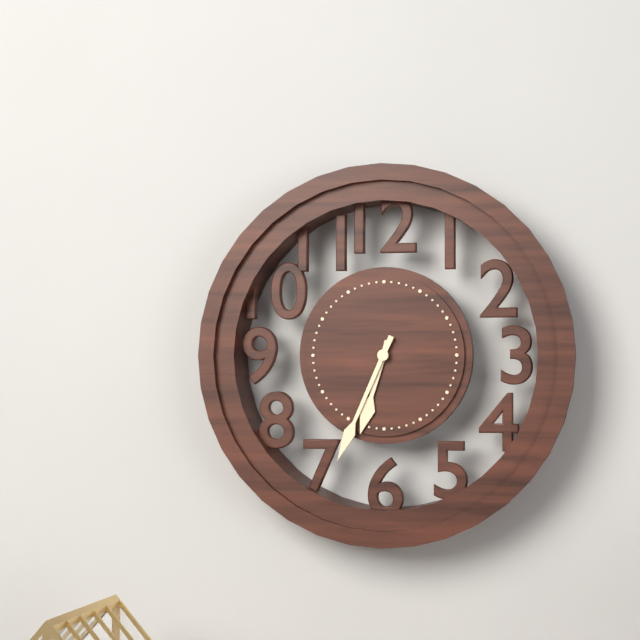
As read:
6:34
